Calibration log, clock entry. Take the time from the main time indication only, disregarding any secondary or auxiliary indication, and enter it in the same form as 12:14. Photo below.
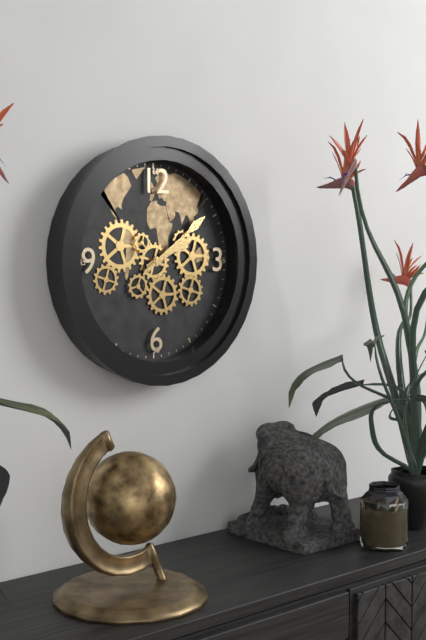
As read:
2:09
